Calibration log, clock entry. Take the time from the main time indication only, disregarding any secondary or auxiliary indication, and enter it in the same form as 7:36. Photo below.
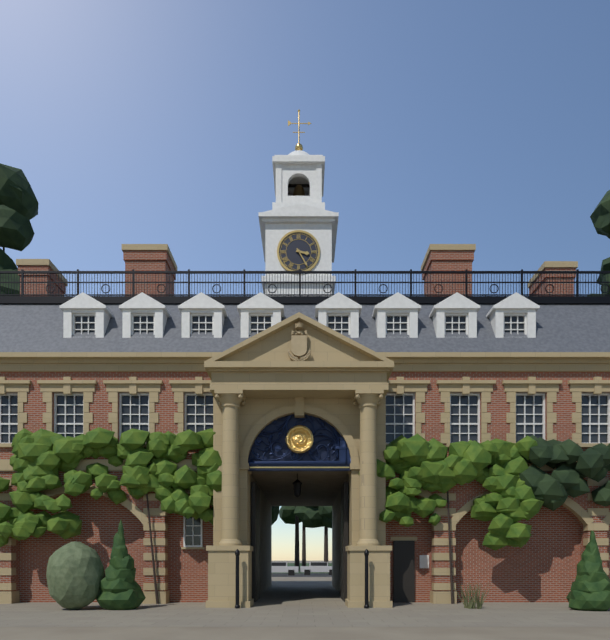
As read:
3:25
